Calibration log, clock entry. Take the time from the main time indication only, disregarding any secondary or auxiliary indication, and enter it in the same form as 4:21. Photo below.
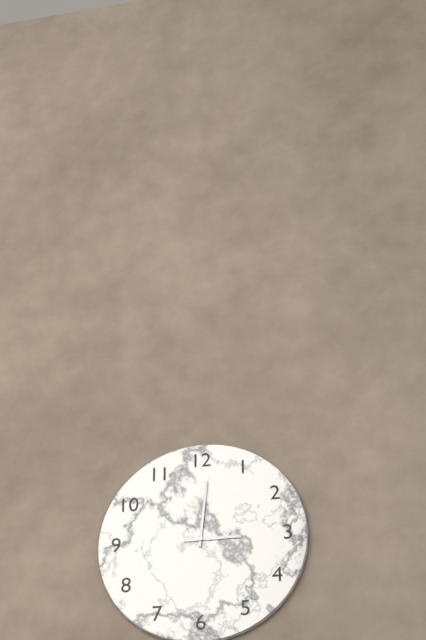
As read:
3:01
